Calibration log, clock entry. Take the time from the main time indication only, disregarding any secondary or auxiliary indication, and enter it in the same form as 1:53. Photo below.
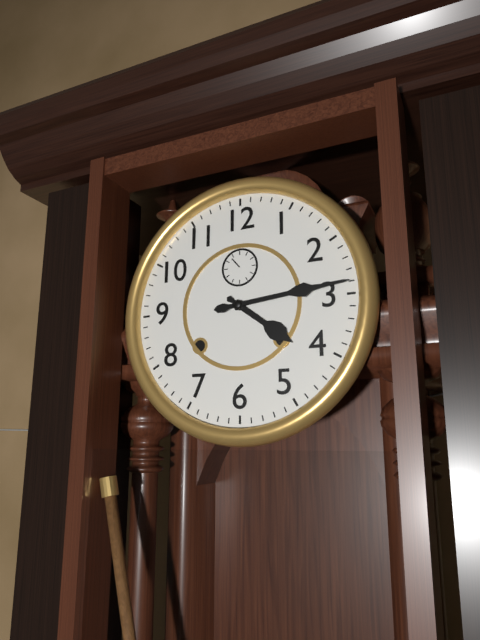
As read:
4:14
